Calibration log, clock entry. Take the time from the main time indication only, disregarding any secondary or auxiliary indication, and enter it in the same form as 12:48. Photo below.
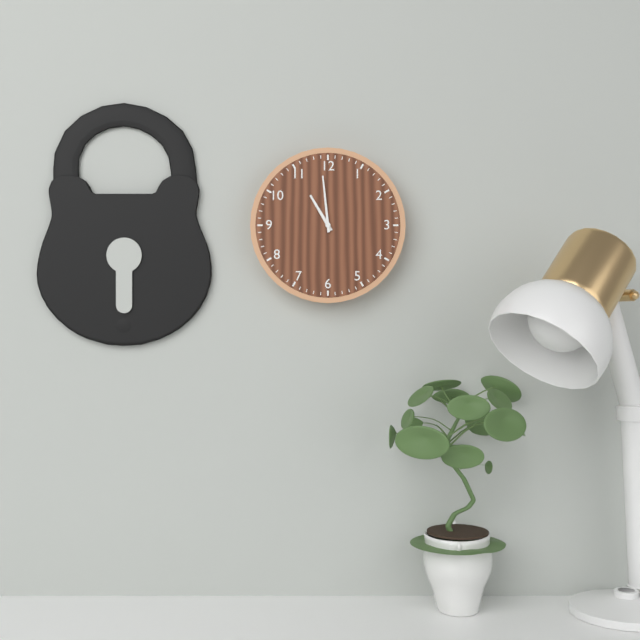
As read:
10:59
